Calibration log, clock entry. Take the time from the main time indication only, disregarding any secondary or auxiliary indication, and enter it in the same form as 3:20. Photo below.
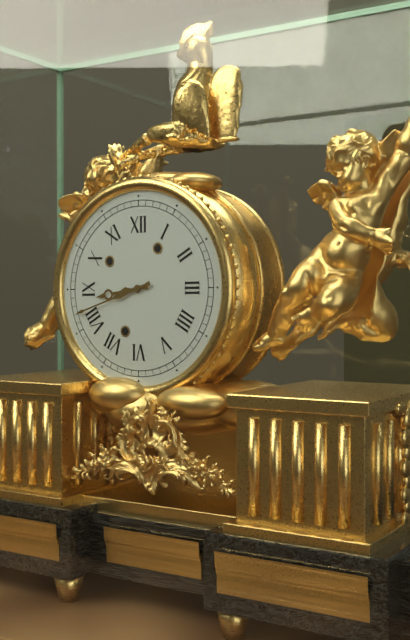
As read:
8:42
